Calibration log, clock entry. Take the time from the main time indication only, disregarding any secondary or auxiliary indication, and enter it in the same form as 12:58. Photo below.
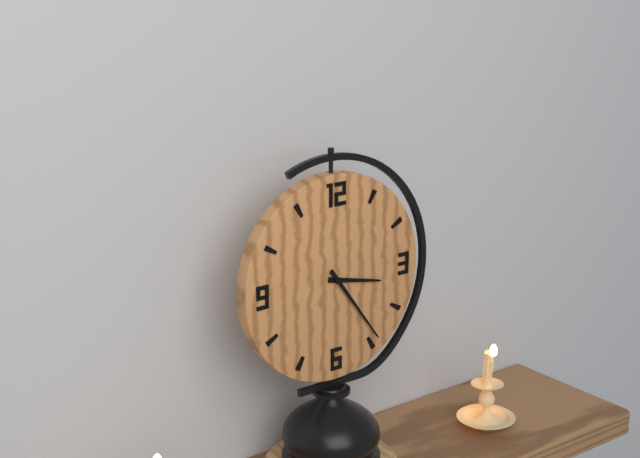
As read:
3:24
